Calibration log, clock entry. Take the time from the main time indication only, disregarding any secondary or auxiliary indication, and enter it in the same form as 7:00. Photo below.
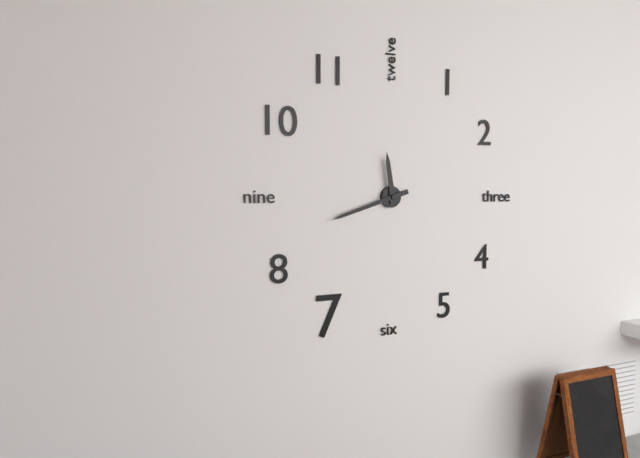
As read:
11:42
